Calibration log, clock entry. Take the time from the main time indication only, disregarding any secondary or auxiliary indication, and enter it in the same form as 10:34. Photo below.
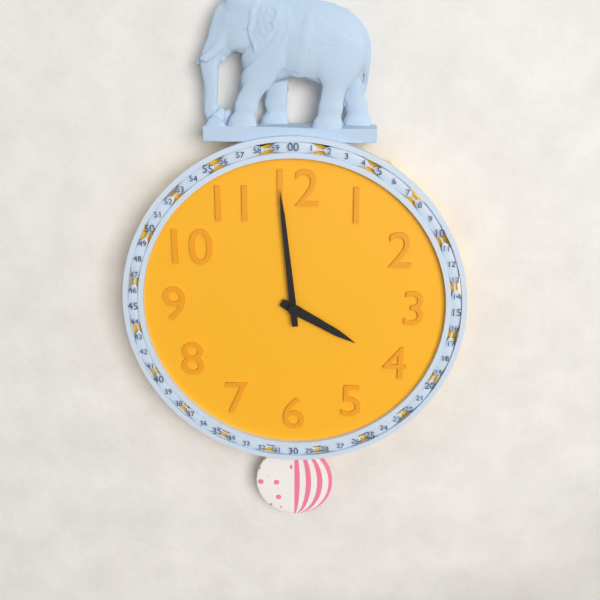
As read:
3:59
